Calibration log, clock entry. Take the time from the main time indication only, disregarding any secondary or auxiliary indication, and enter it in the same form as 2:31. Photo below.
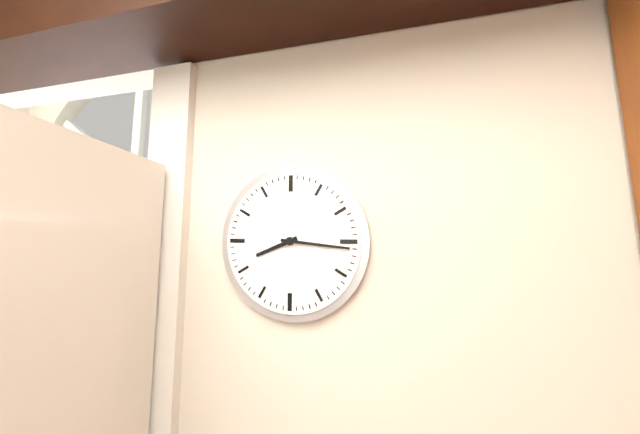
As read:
8:16
